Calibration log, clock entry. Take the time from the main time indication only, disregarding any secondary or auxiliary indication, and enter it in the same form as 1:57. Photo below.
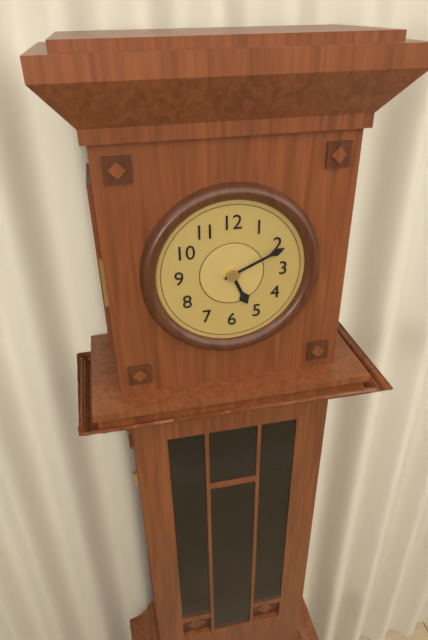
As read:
5:11
